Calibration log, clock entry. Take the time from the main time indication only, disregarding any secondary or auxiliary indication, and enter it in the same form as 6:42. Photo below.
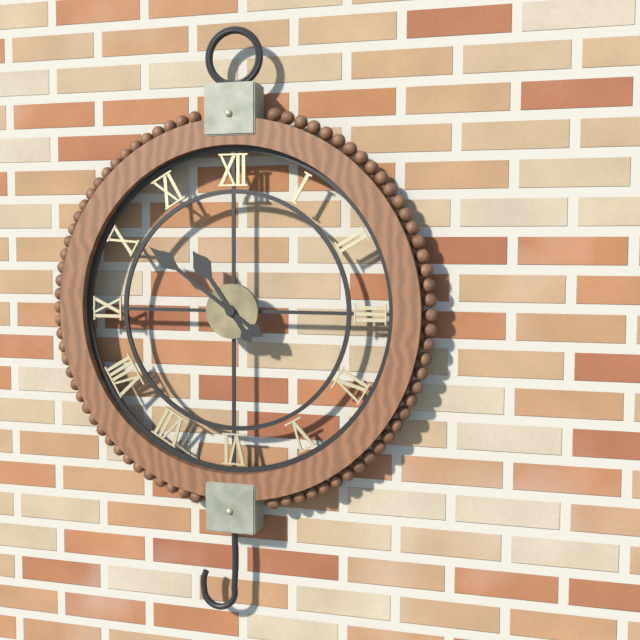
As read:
10:51
